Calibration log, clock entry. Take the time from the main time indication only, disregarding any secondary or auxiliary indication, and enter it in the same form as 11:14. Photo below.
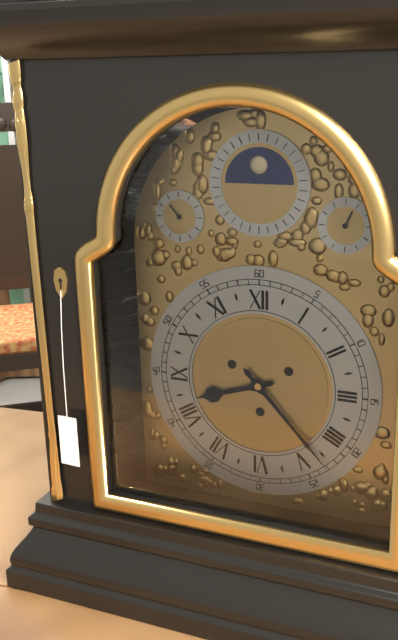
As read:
8:23
